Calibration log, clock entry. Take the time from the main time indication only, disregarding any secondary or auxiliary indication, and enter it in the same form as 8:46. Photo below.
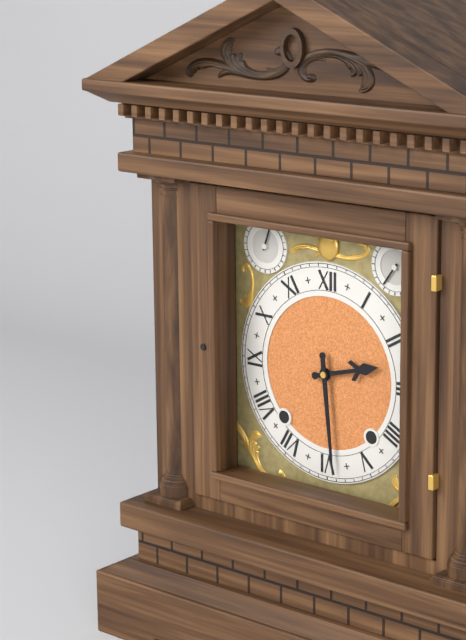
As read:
2:29
